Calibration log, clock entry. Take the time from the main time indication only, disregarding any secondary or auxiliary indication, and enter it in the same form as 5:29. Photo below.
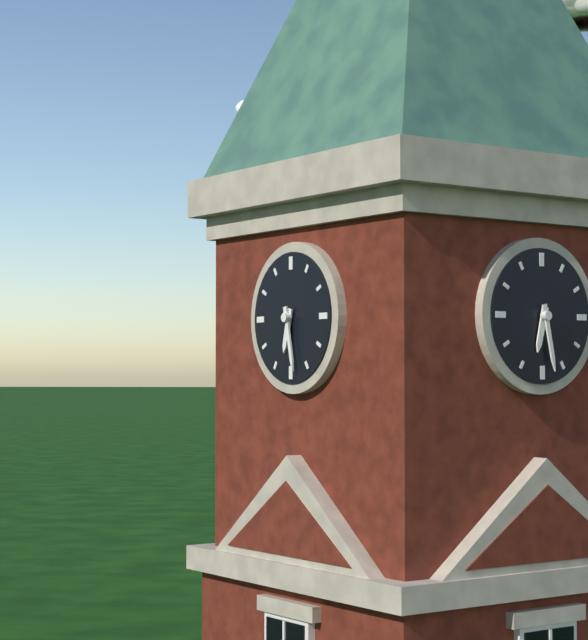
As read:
6:28
